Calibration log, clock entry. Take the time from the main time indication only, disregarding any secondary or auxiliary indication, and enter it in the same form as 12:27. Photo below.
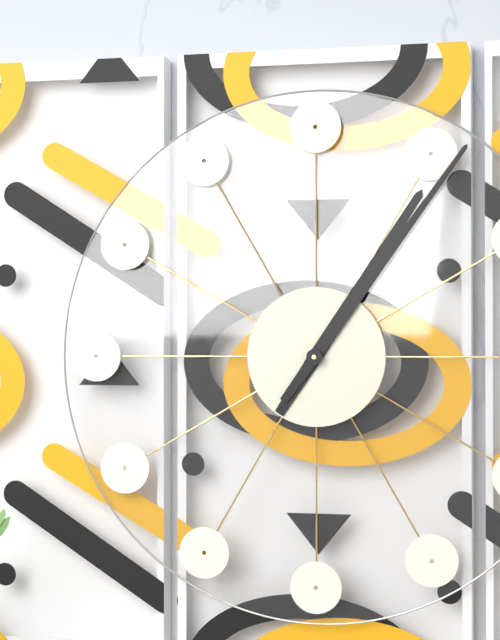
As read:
1:06
